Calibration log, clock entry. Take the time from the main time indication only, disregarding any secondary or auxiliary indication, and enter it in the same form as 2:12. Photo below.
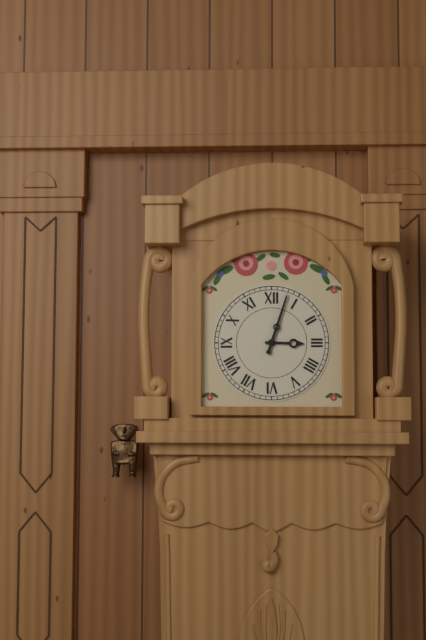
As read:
3:03
